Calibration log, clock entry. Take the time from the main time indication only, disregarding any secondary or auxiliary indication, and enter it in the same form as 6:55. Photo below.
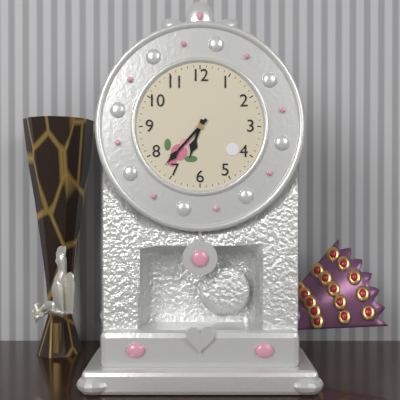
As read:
6:37
